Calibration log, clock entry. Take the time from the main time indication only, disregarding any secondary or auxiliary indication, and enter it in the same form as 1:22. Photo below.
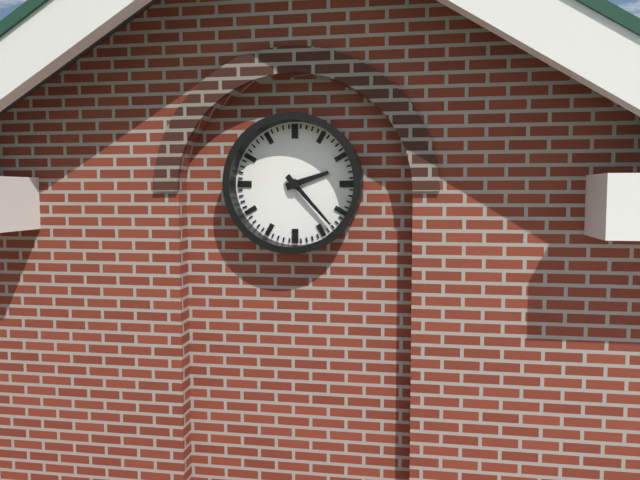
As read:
2:23
